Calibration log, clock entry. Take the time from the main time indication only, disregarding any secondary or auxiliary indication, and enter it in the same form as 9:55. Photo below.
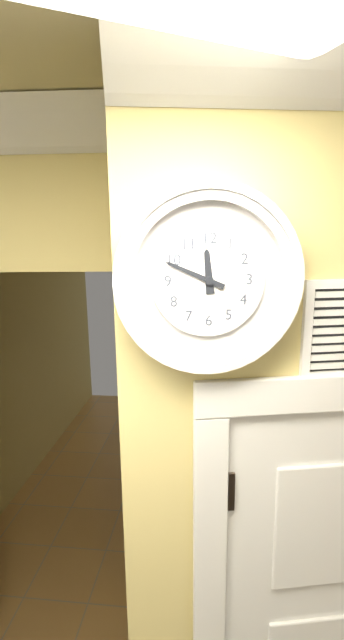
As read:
11:49
